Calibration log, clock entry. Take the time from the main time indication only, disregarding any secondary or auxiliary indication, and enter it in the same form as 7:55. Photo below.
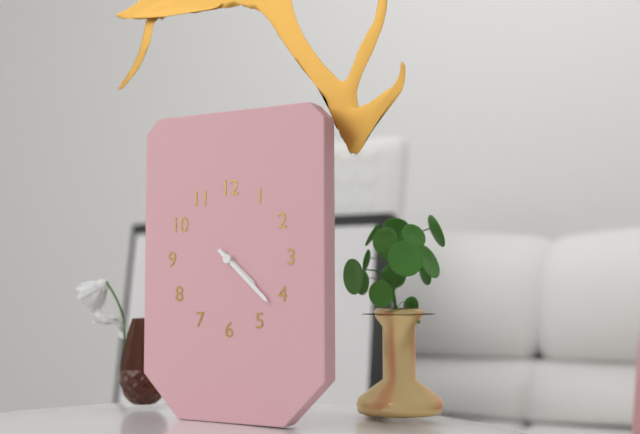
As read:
4:22
